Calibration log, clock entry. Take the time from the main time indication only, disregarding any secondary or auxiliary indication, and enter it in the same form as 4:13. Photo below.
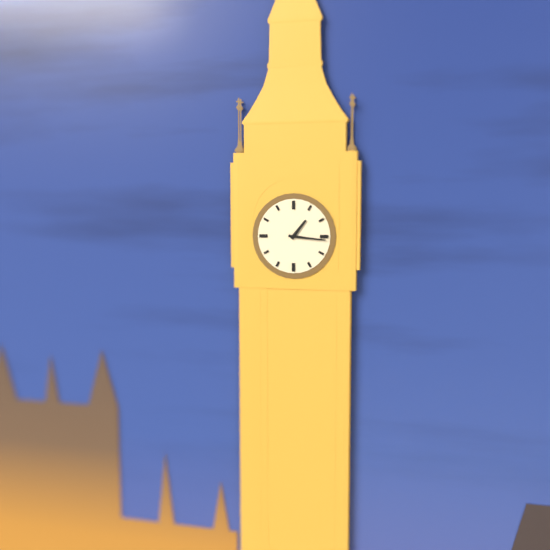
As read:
1:16
